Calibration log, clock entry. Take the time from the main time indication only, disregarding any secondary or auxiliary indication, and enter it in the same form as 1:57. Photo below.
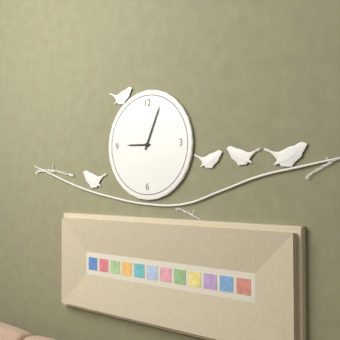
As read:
9:04
